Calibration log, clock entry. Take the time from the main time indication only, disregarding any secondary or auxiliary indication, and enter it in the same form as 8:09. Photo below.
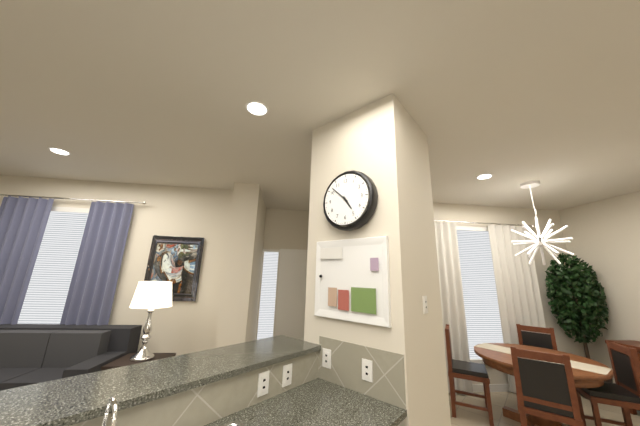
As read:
4:52
